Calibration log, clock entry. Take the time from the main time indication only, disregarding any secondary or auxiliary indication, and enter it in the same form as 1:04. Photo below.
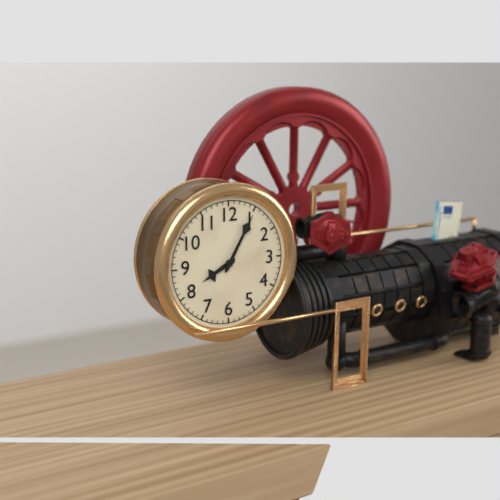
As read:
8:05
